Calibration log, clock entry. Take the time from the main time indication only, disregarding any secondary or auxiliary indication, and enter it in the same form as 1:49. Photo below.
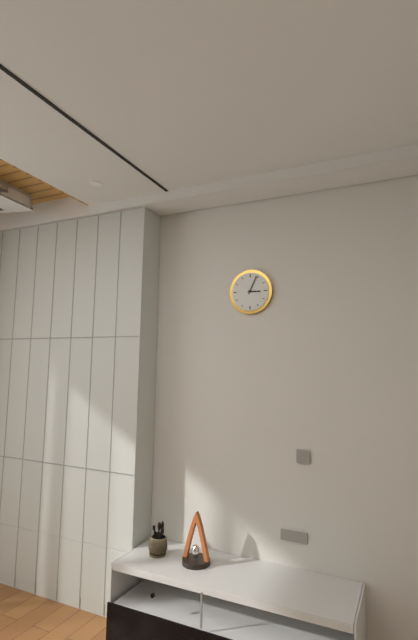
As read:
3:04
